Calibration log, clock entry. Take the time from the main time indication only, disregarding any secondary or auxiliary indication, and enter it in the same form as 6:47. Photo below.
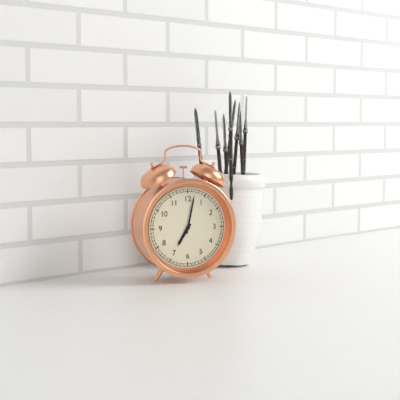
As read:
7:02
